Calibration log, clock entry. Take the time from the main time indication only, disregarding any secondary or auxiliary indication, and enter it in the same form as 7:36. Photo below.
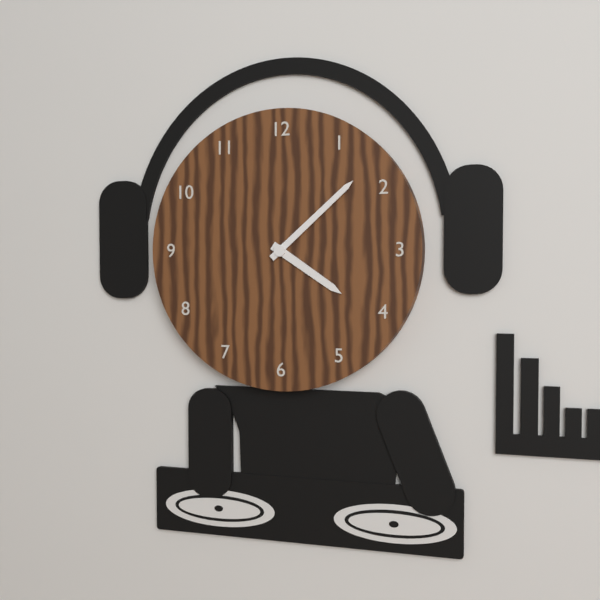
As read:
4:08
